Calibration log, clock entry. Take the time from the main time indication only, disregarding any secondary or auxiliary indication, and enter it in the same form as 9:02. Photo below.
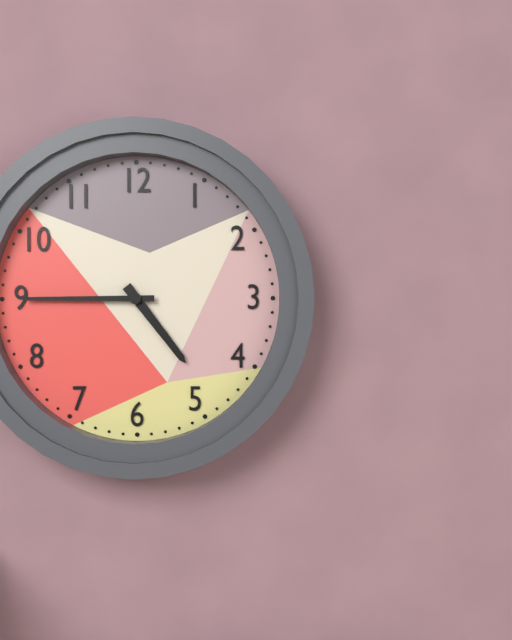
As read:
4:45
